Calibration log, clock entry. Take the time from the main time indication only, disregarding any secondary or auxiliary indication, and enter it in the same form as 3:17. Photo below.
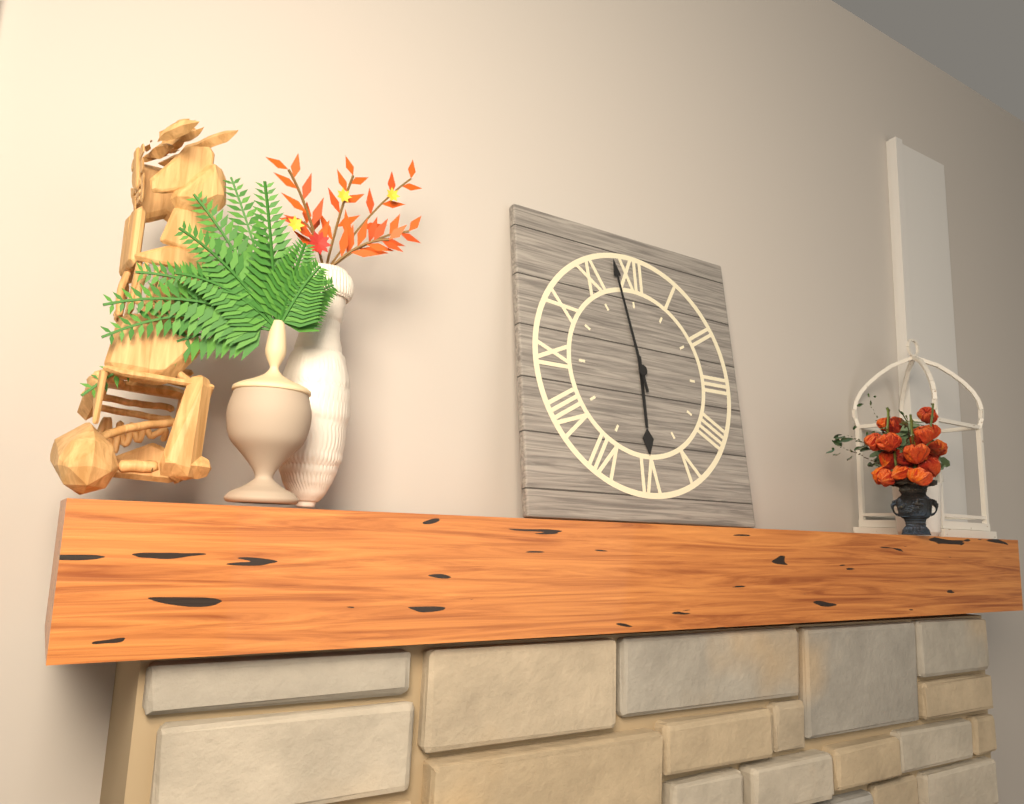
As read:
5:58
